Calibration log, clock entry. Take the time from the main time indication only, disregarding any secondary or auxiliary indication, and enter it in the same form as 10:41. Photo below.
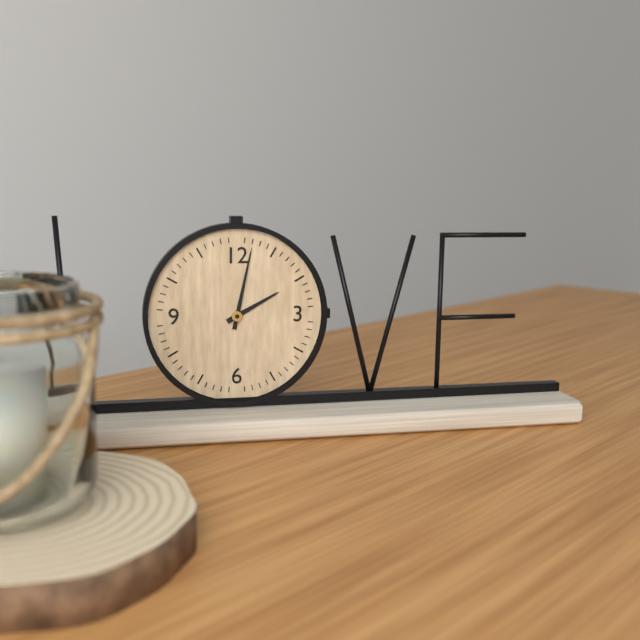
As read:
2:02
